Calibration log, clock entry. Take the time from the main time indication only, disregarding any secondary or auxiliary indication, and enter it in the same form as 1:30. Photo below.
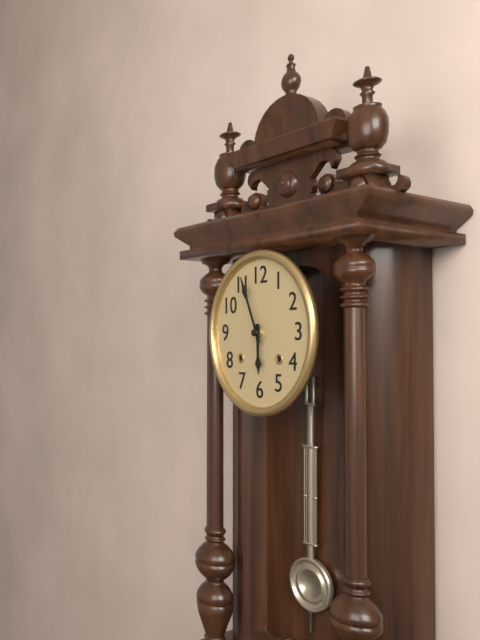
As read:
5:56
